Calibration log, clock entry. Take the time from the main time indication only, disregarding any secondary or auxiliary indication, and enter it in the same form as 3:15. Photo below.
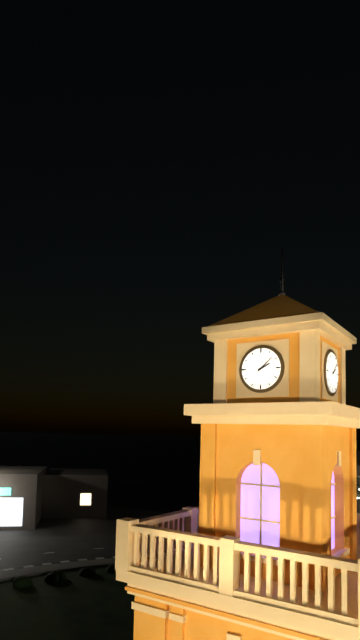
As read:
2:08
